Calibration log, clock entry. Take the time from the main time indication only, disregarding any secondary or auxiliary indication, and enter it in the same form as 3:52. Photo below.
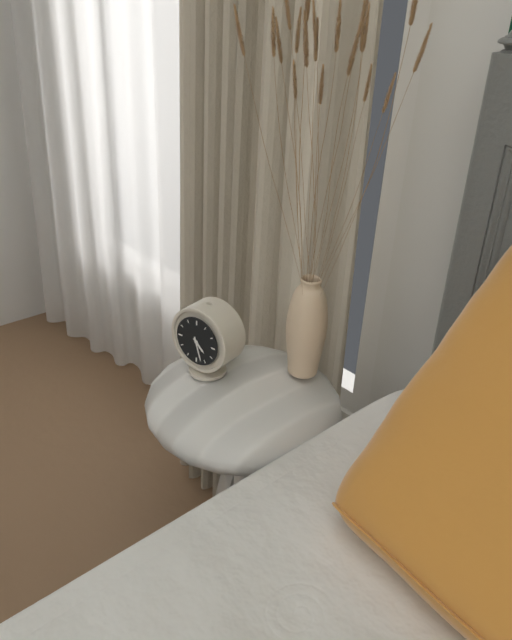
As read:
4:27
